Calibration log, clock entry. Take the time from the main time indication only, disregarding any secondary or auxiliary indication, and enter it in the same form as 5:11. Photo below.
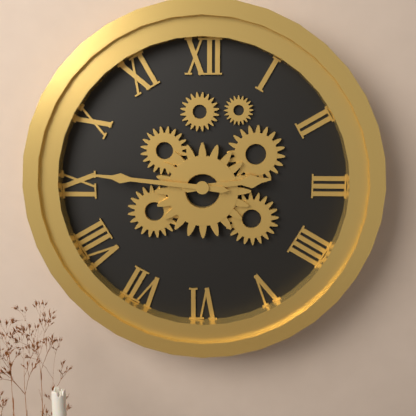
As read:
2:46
